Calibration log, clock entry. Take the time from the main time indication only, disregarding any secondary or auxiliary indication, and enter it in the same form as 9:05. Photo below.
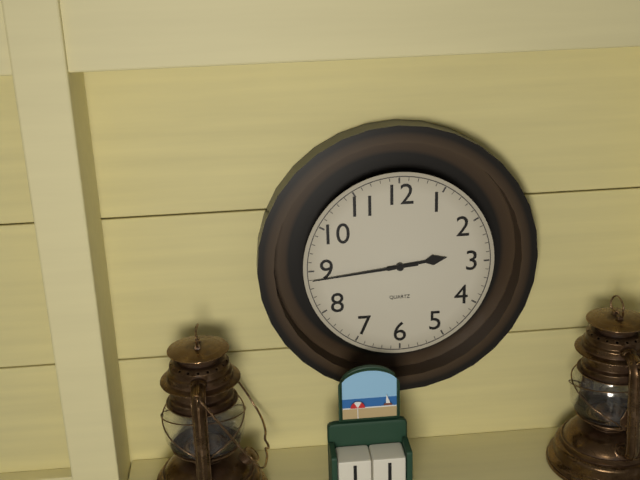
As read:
2:44
